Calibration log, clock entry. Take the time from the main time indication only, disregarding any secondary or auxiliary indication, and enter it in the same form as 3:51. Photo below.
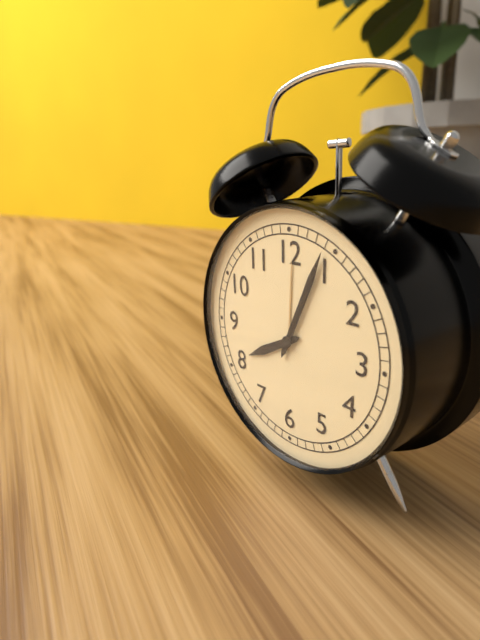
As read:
8:04
